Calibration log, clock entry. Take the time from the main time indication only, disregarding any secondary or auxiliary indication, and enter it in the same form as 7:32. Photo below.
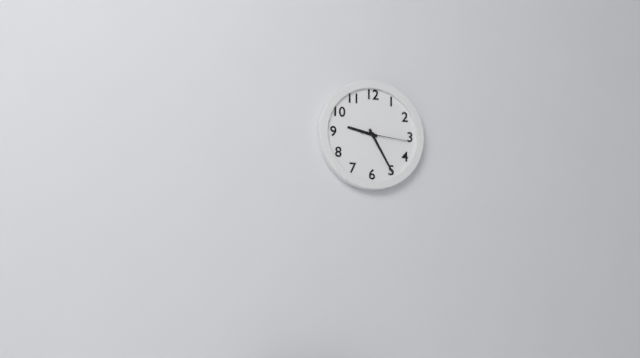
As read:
9:25
